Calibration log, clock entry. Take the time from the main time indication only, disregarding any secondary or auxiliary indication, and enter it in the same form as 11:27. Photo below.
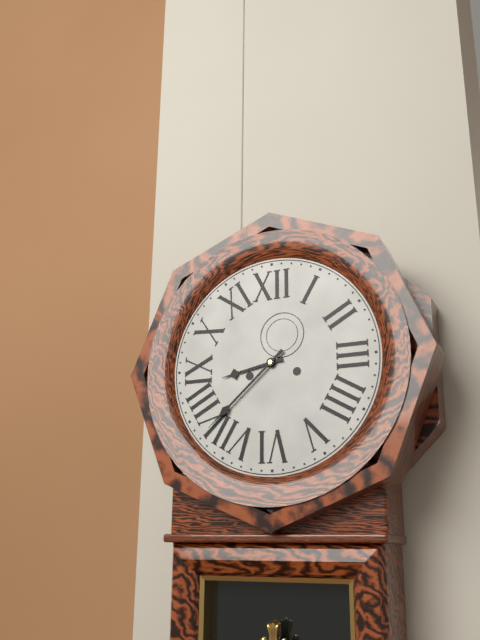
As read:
8:38
